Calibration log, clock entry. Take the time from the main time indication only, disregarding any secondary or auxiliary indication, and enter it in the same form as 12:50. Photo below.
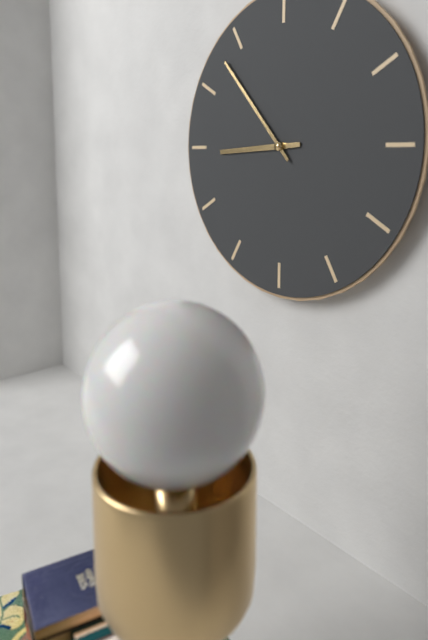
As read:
8:53
